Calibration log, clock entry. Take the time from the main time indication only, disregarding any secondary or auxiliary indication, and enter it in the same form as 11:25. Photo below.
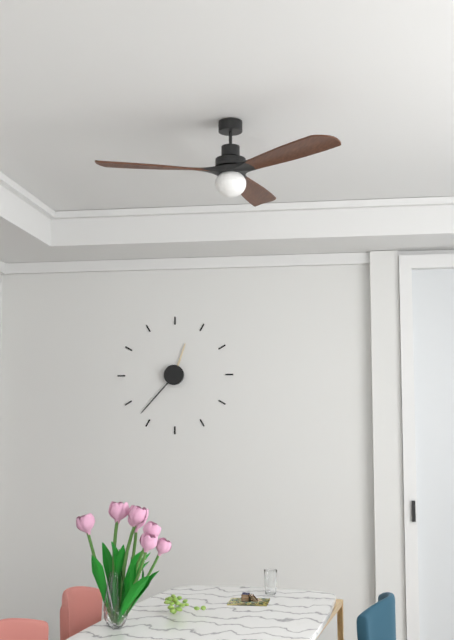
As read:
12:37
